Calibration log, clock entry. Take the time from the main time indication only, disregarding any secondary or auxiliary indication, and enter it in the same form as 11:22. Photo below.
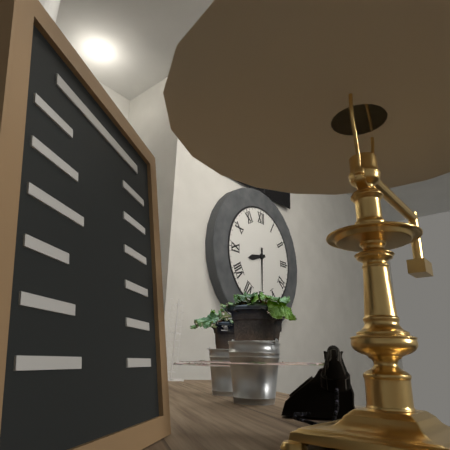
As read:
8:30
